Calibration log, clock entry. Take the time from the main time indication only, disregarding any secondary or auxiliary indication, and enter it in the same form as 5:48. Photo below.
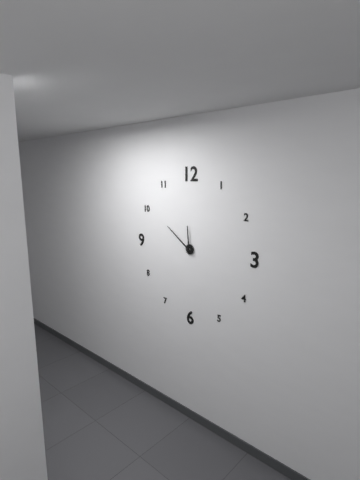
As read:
11:51
